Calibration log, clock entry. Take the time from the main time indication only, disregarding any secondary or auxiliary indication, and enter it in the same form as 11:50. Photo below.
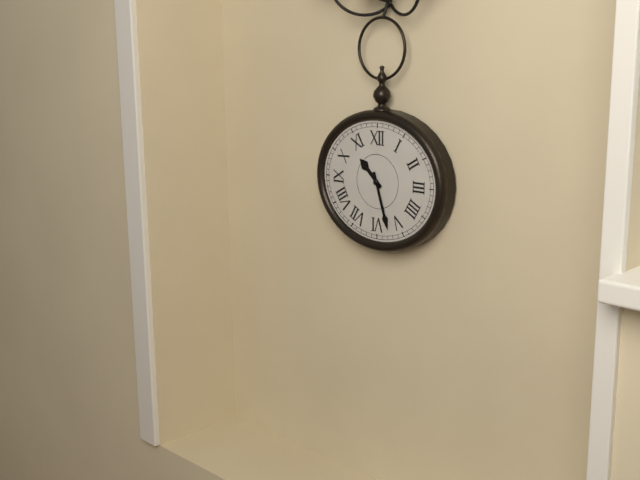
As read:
10:27
